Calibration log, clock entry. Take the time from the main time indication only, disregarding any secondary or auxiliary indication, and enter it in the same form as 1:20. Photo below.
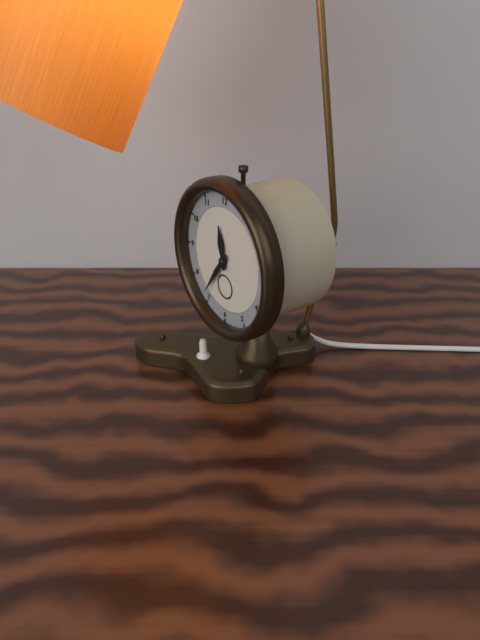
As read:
11:36
